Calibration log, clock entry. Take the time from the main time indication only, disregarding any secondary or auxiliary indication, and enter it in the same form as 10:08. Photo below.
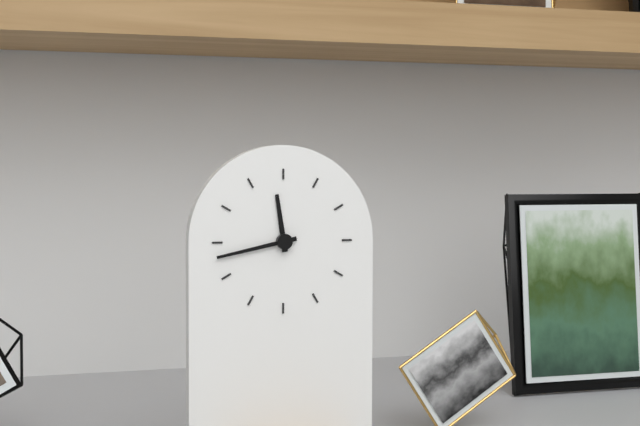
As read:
11:43
